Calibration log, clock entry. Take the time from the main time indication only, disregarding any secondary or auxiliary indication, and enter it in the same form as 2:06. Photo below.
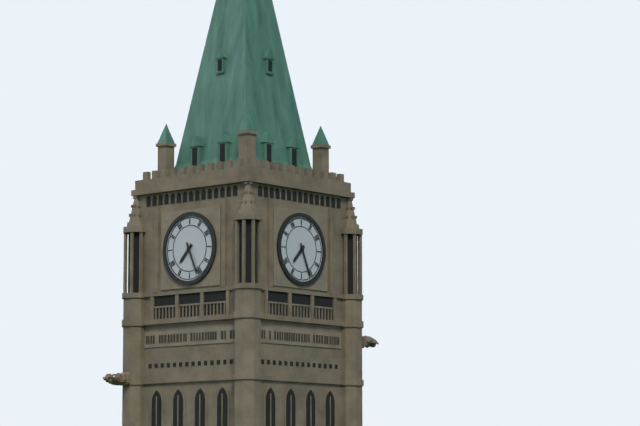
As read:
7:26
